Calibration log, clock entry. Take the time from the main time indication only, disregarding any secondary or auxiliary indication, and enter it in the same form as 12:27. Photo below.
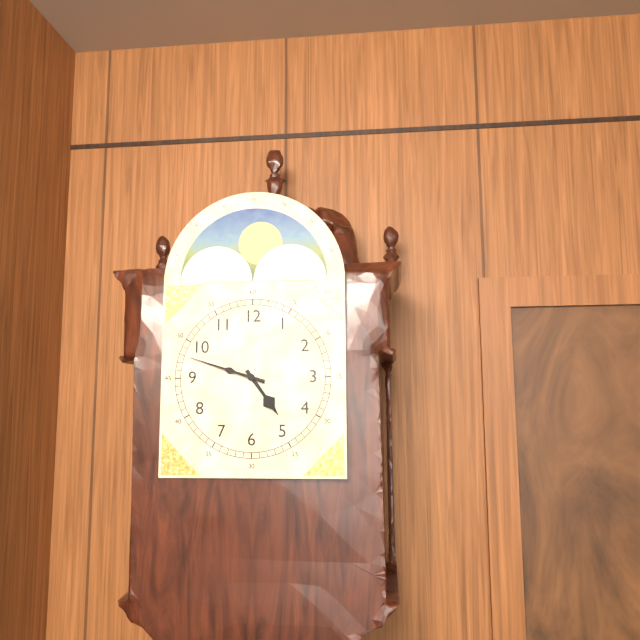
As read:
4:48
